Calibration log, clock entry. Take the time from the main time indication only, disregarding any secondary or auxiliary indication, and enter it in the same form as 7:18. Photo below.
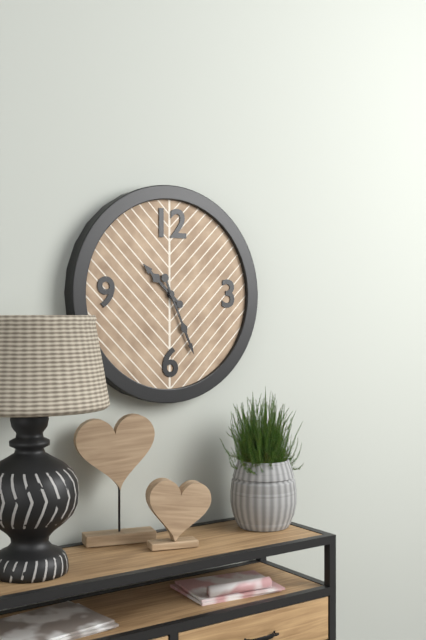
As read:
10:26
